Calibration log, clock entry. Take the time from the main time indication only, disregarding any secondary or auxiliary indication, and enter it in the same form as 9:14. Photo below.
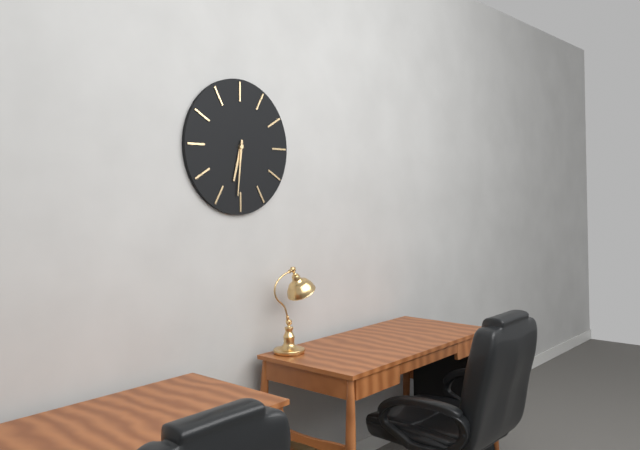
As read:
6:31
